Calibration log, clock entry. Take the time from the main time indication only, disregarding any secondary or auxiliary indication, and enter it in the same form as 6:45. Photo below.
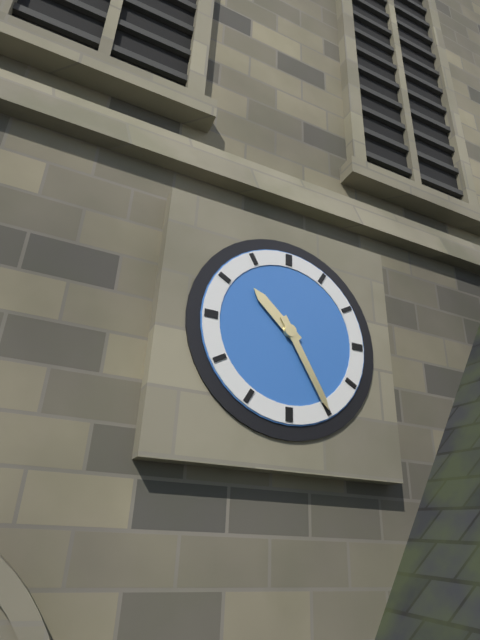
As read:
10:25
